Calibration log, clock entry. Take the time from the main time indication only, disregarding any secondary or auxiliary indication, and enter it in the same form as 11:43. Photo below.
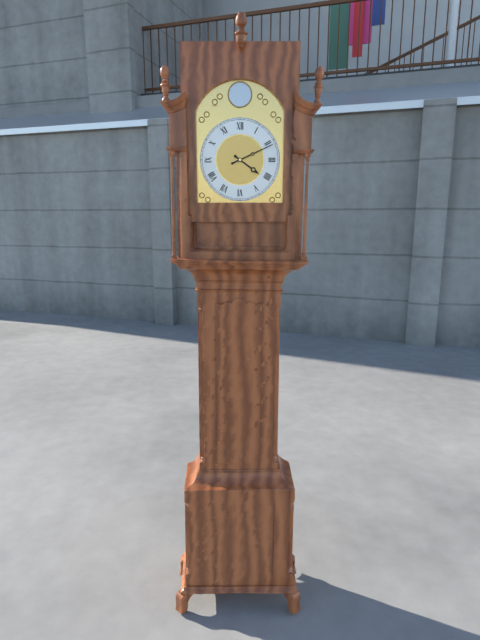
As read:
4:11
